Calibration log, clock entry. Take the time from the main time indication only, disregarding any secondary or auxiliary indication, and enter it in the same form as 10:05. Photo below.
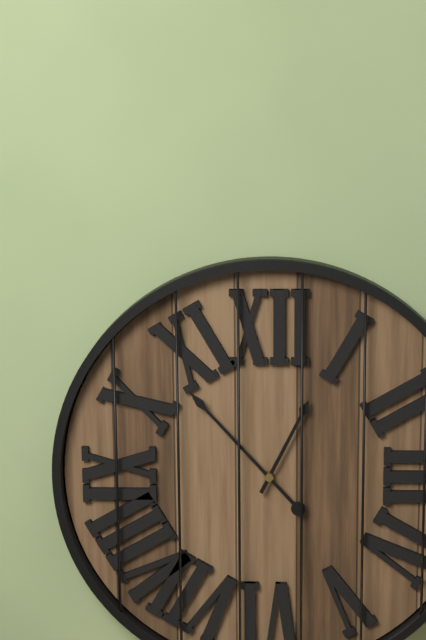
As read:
12:53
